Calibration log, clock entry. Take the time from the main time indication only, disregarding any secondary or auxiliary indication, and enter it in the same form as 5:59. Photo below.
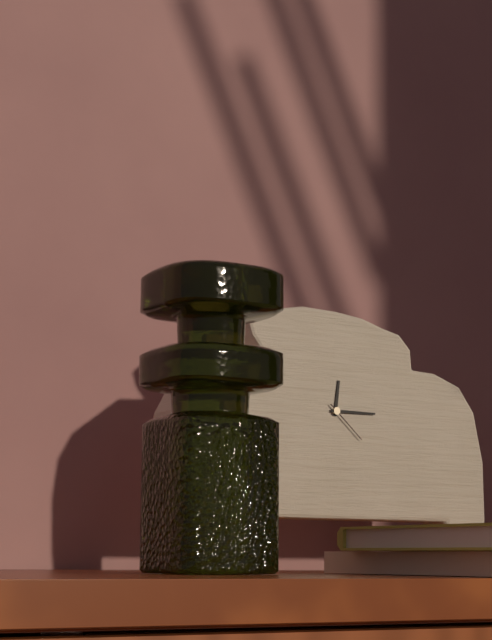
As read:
12:15
